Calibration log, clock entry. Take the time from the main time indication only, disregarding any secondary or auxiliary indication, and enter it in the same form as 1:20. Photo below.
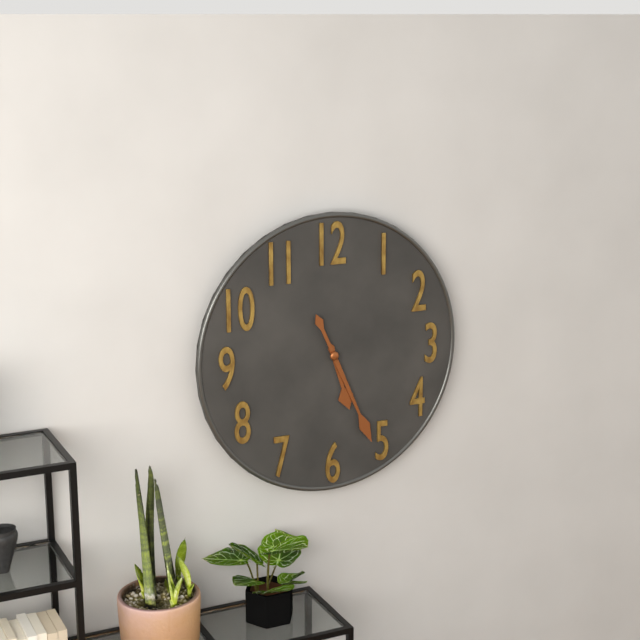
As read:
5:26
